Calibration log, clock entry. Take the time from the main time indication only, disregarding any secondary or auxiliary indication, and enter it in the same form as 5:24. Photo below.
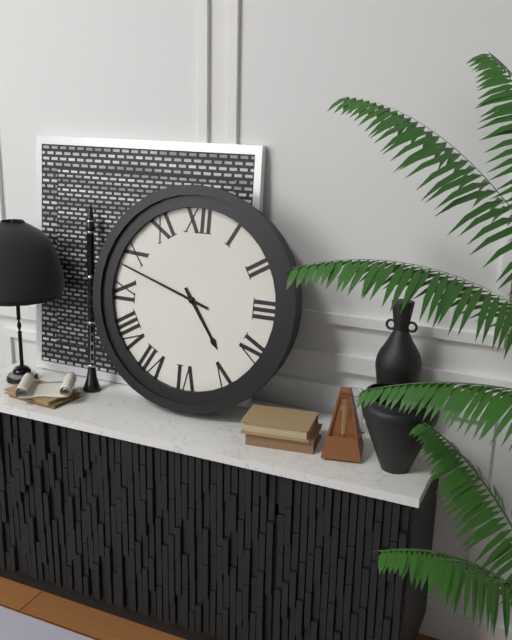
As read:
4:48
